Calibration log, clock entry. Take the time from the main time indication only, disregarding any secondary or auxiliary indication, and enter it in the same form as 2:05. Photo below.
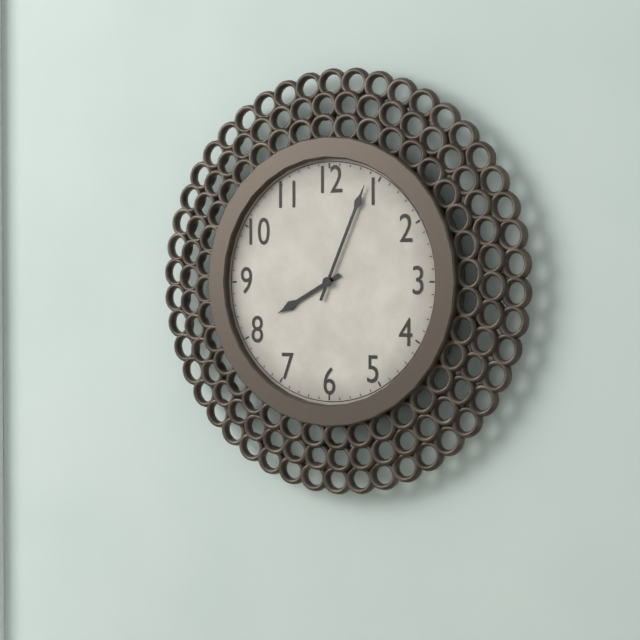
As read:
8:04
